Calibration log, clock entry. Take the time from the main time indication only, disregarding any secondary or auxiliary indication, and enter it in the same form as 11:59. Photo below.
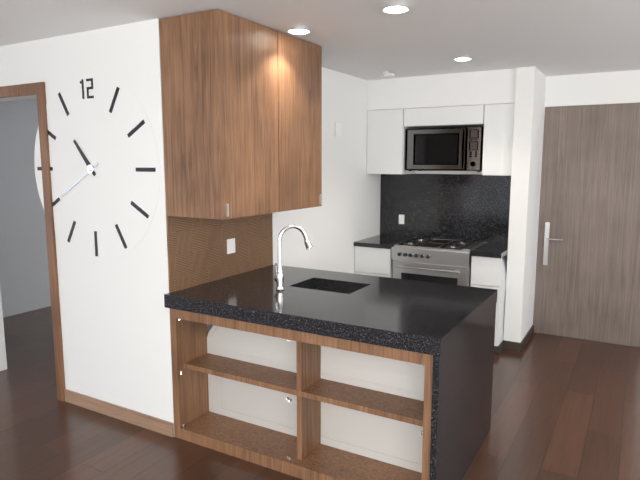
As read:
10:40
